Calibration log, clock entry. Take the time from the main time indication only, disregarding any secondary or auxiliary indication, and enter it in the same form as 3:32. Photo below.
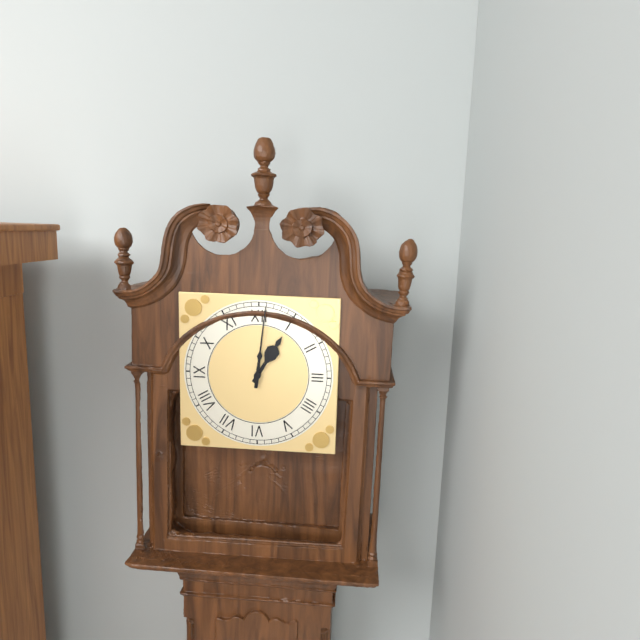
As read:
1:01
